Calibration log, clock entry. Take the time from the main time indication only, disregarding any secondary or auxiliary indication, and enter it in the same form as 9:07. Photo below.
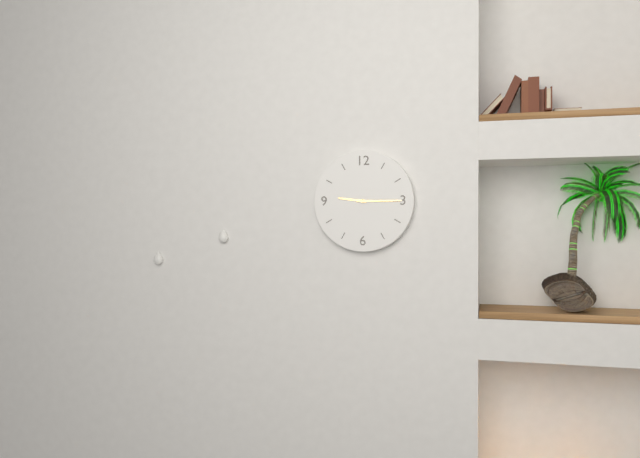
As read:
9:15
